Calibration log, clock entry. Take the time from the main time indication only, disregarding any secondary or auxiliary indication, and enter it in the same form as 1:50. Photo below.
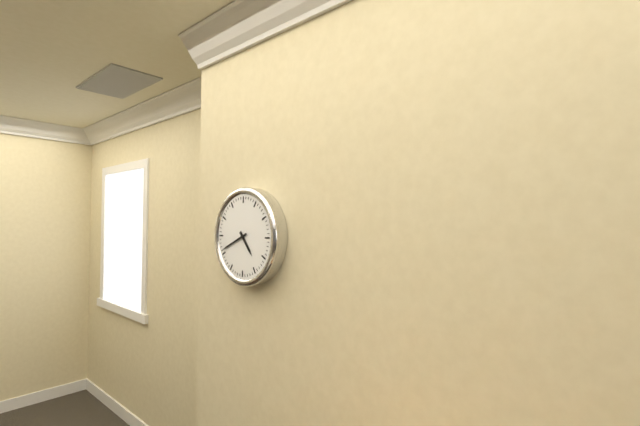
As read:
4:41
